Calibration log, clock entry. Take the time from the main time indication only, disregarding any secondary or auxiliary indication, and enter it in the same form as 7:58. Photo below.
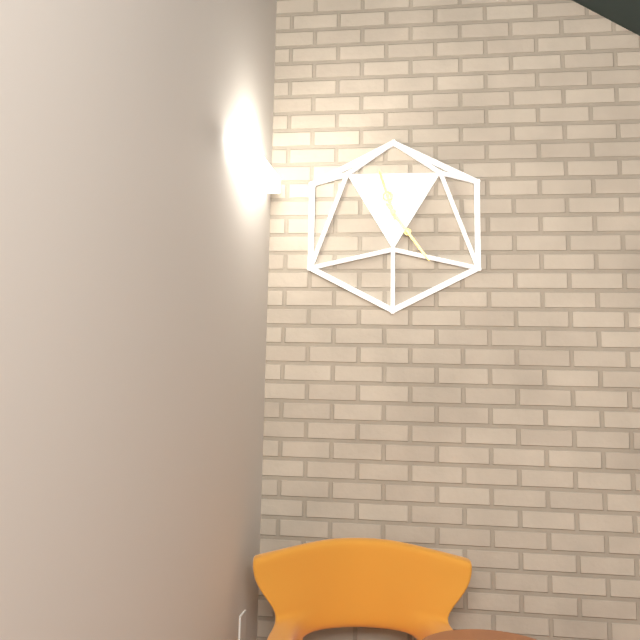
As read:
11:24
